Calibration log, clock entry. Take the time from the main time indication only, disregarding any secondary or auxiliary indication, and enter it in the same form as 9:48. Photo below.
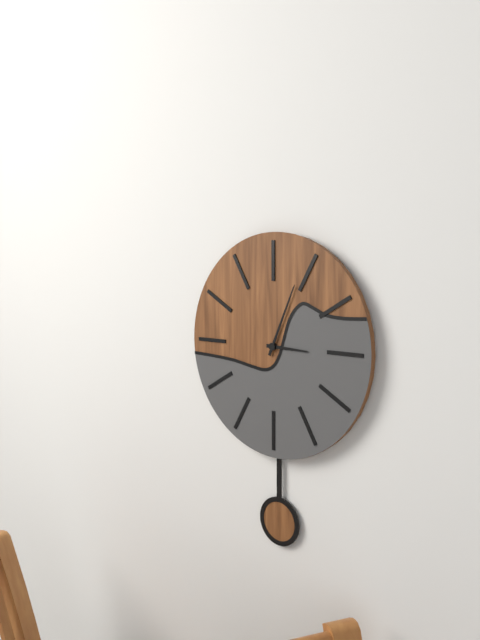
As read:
3:04
